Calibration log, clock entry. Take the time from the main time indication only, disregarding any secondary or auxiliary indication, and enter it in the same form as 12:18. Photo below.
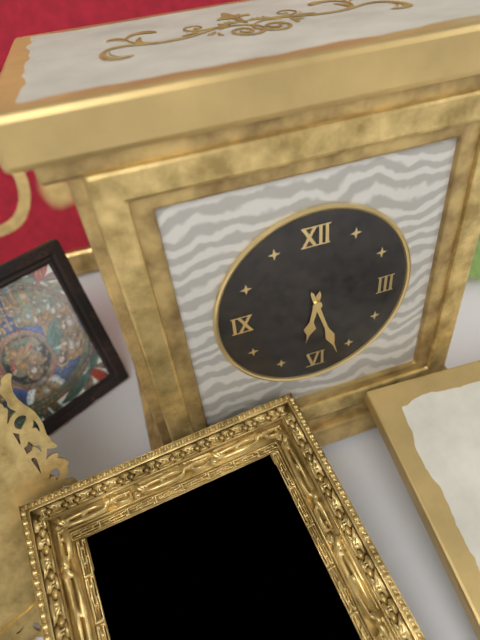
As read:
6:27
